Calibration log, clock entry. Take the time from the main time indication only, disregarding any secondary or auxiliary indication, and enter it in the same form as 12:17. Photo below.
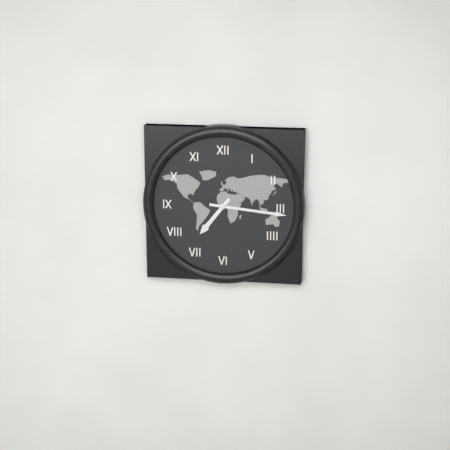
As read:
7:16
